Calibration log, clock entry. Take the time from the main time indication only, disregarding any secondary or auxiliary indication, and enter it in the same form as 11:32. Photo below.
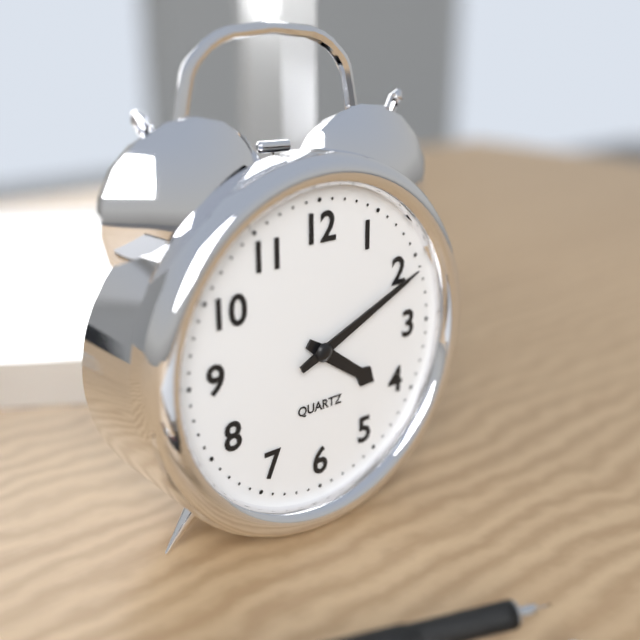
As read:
4:11
